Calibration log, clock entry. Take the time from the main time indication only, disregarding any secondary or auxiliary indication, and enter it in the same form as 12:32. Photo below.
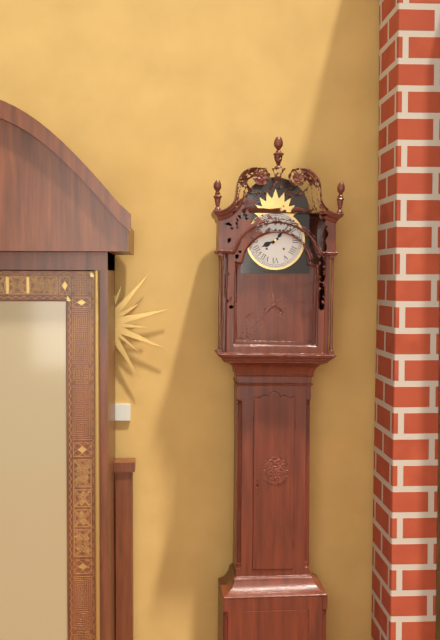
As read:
8:07
